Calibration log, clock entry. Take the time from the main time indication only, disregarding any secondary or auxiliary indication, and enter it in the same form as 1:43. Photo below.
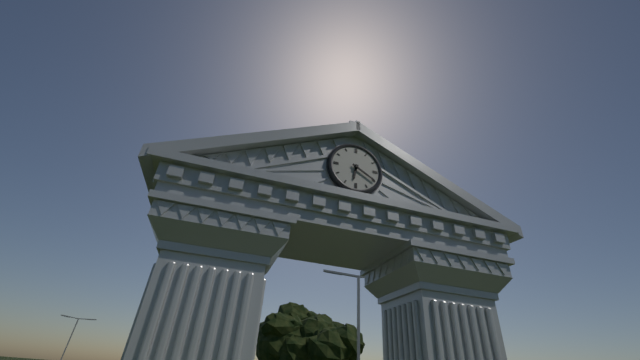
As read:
6:20
